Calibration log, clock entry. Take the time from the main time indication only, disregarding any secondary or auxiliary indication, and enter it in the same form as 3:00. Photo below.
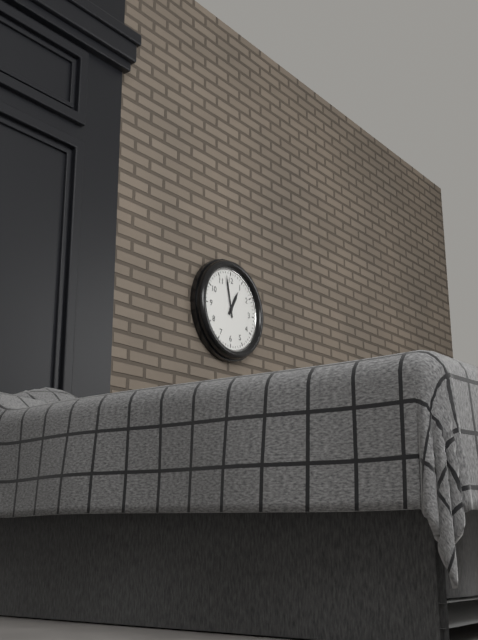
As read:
12:58
